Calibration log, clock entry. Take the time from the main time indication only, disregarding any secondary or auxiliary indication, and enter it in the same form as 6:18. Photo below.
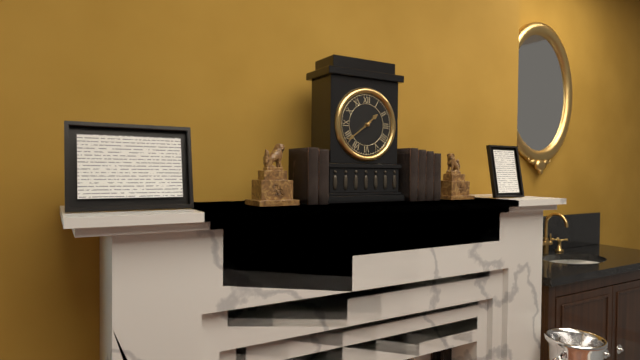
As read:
1:39
